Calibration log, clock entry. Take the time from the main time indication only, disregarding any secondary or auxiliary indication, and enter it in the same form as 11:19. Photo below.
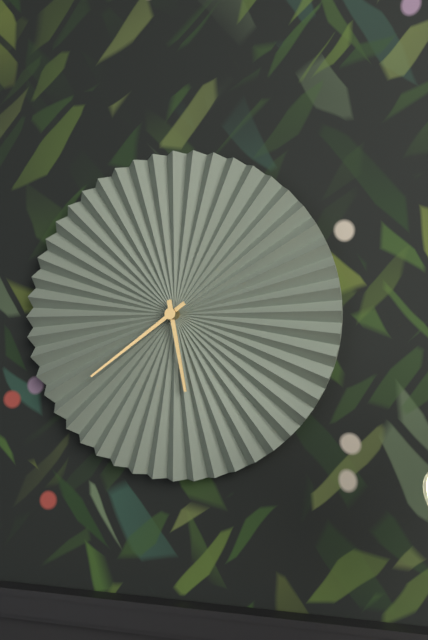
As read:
5:39
